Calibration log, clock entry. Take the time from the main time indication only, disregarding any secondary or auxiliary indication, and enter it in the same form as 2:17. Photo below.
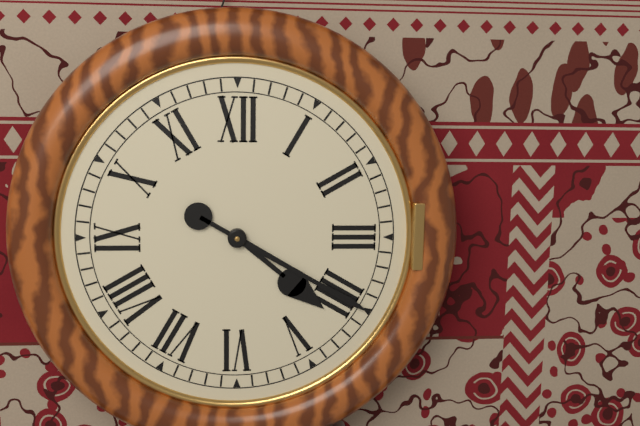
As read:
4:20
